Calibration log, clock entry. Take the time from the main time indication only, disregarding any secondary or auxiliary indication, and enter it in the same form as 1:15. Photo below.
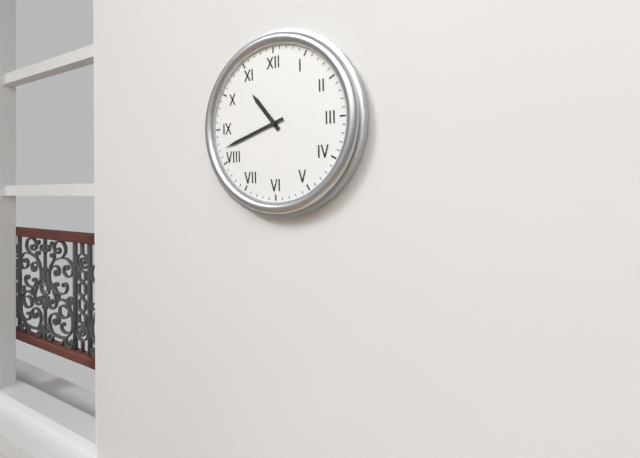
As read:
10:42
